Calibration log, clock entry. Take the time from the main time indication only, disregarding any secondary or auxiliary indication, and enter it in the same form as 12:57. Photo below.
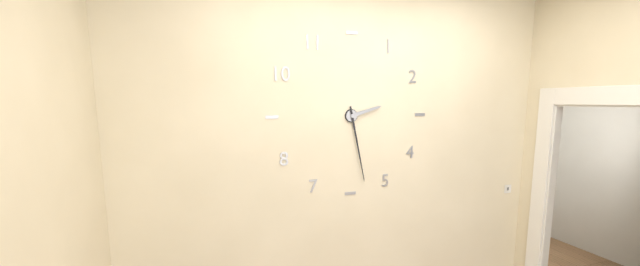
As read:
2:28
